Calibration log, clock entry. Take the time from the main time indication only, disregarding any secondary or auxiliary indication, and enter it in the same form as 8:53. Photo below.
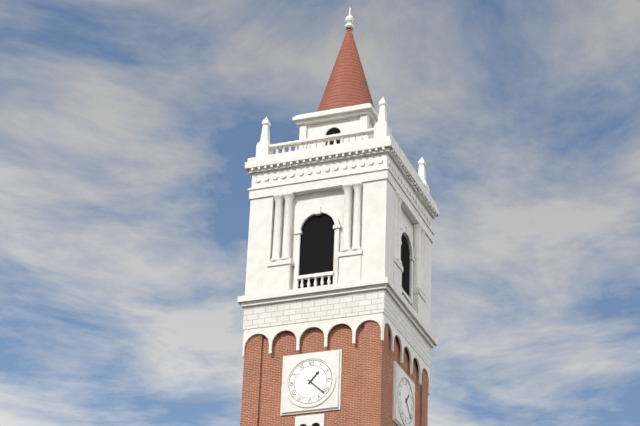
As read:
1:22
